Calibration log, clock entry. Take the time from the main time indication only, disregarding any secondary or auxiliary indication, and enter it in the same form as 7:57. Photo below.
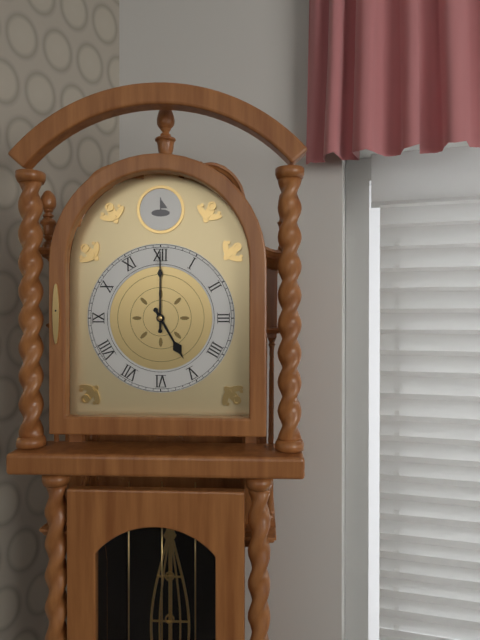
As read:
5:00
